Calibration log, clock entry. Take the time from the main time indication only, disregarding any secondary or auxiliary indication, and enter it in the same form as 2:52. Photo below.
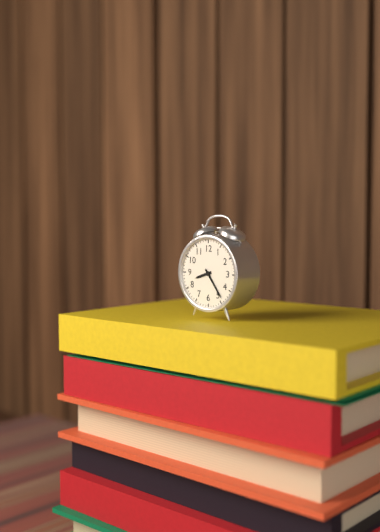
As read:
8:24
